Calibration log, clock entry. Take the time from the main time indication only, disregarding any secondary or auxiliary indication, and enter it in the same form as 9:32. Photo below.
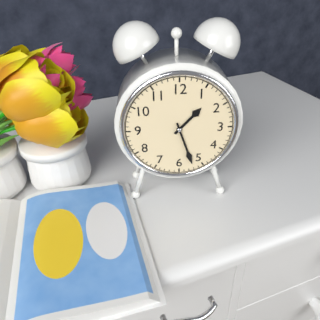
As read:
1:27
